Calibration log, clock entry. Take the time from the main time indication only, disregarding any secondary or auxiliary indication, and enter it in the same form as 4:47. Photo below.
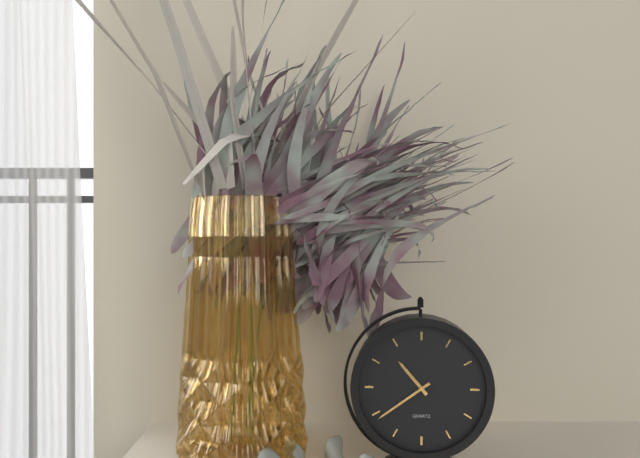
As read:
10:39
